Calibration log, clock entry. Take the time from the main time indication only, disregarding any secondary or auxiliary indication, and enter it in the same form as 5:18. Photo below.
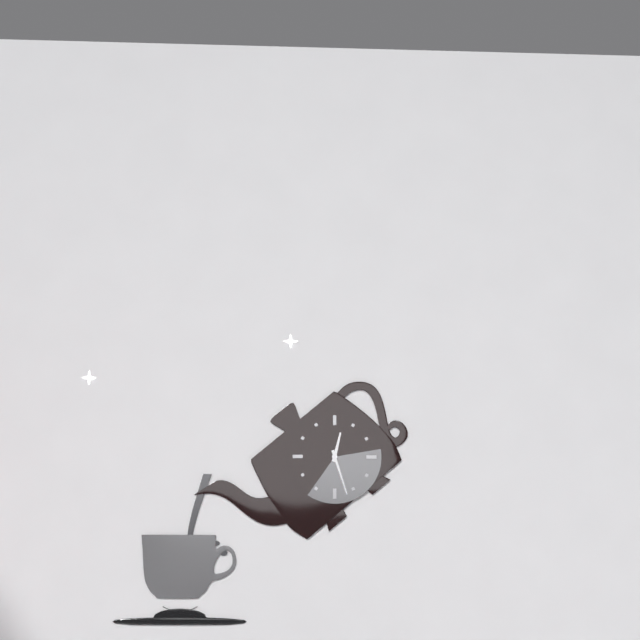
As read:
12:27
